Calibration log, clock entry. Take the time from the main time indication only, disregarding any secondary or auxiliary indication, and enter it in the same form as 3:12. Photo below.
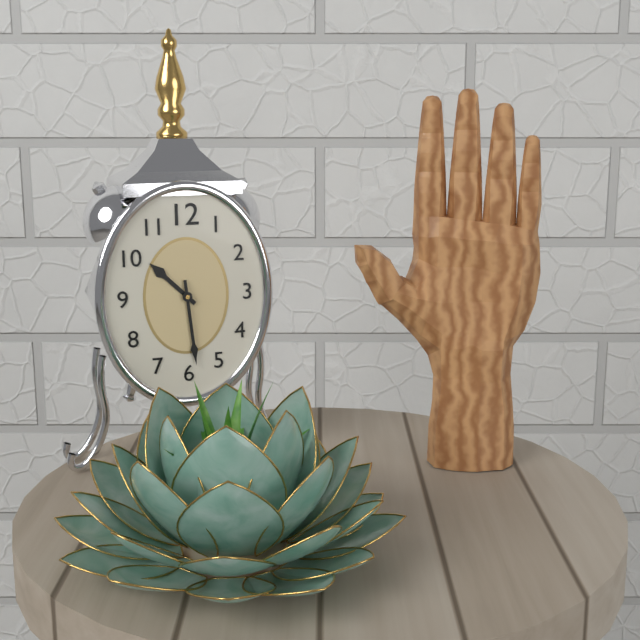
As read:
10:29
